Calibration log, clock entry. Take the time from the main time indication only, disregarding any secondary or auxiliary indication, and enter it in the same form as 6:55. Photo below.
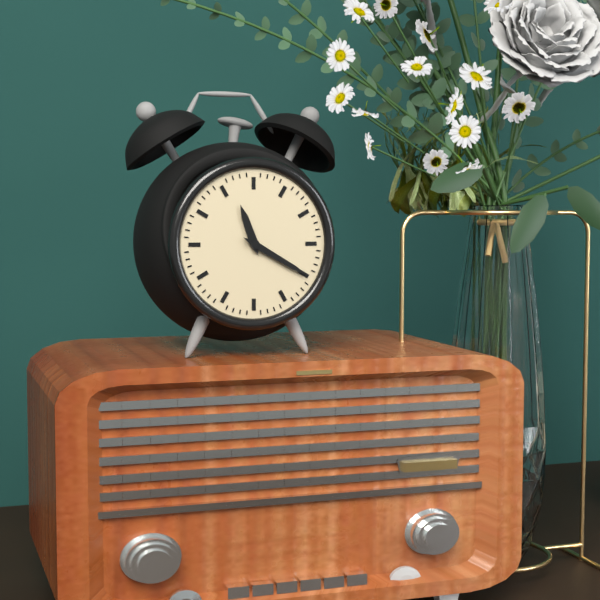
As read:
11:20
